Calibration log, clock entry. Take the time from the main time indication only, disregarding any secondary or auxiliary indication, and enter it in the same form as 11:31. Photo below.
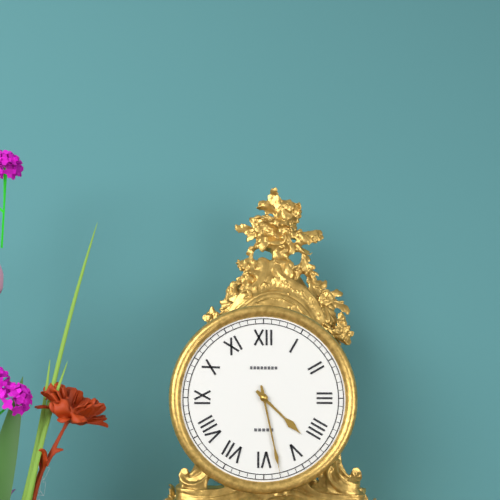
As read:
4:28
